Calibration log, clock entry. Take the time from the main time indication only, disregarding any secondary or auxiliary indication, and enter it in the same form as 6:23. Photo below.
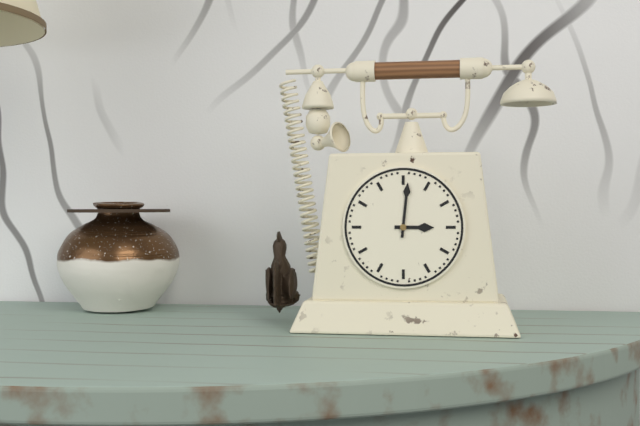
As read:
3:01
